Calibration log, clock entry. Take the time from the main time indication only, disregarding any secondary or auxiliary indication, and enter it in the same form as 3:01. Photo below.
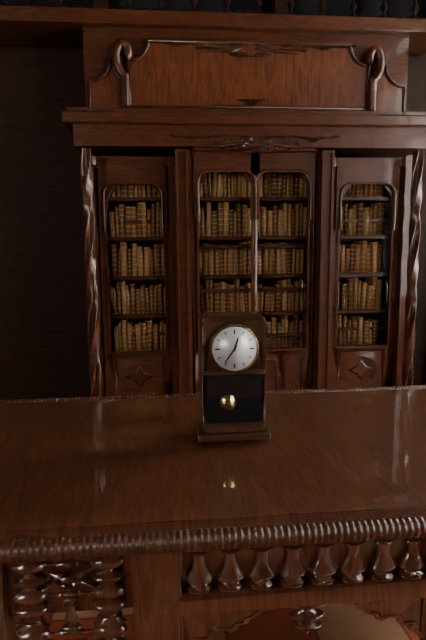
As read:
12:36
